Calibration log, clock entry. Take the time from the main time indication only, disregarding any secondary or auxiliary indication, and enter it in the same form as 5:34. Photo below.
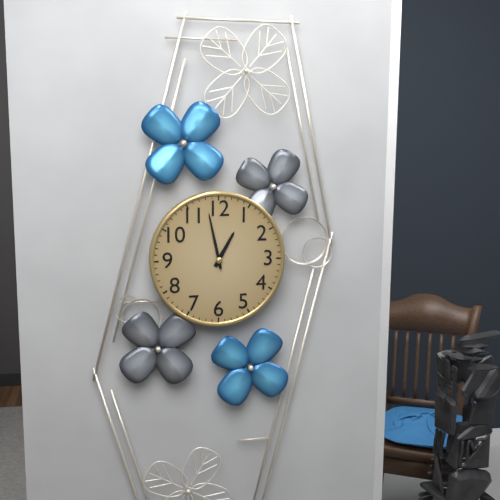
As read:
12:58
